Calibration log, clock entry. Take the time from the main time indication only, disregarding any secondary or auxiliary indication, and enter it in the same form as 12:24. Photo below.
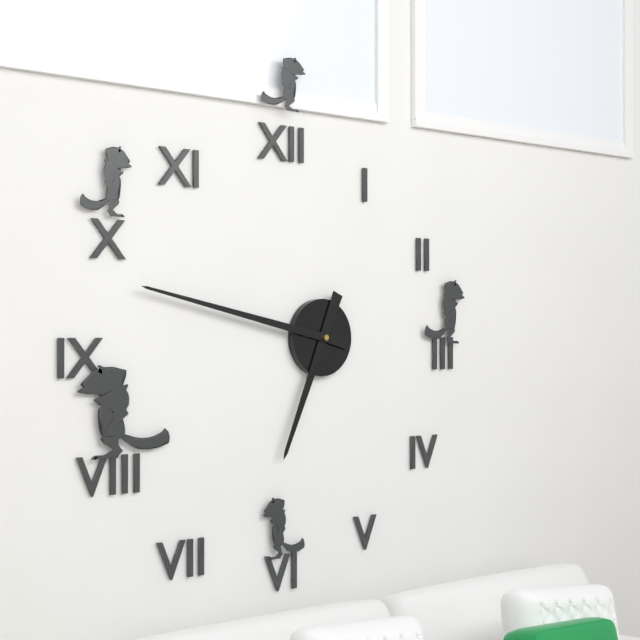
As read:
6:47
